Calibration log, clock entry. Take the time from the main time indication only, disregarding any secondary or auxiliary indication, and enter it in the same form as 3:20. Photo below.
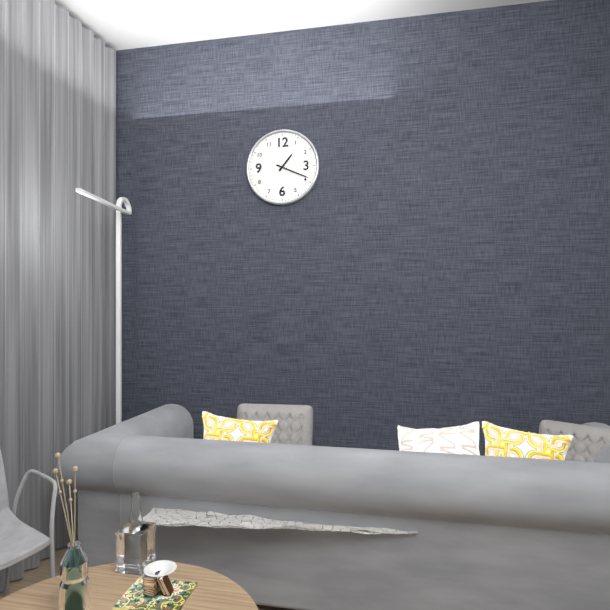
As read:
1:19
